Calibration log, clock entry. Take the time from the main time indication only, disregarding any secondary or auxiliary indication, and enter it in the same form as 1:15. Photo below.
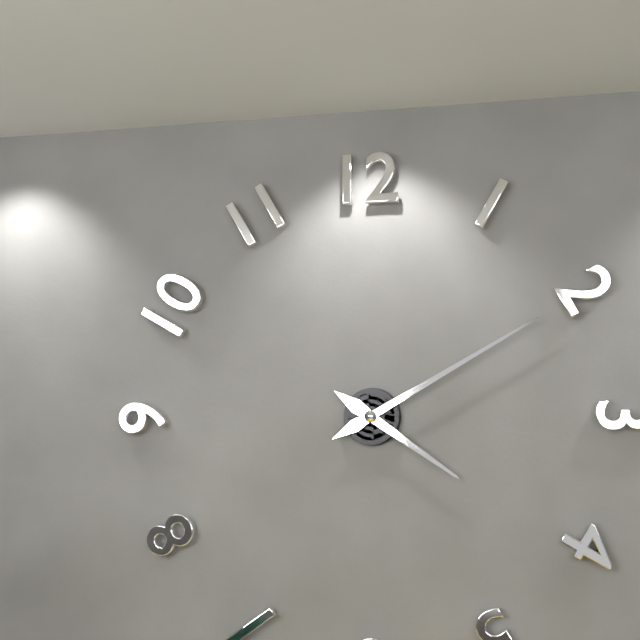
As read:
4:10
